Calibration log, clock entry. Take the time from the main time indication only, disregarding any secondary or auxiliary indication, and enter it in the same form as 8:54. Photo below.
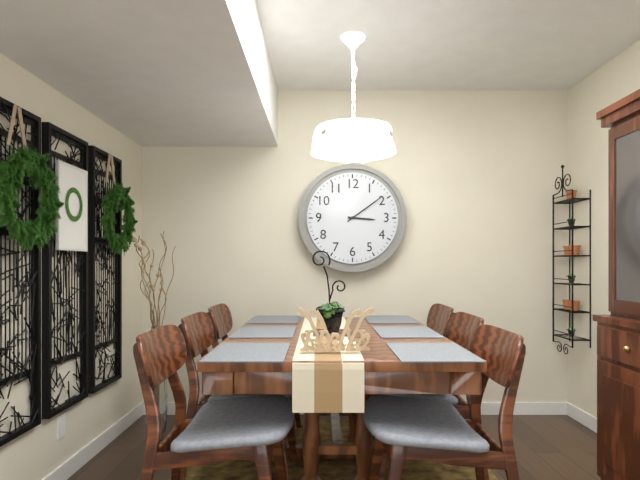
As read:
3:09
